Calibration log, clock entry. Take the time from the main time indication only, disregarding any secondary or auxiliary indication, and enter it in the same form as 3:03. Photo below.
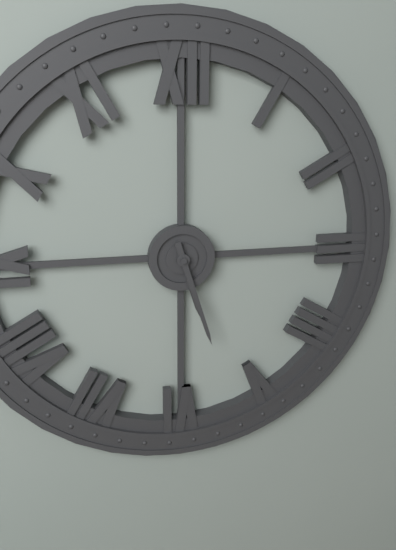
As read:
5:27
